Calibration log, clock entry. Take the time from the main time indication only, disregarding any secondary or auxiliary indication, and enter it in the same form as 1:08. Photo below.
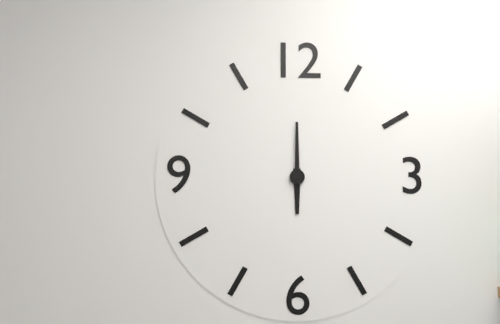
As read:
6:00
